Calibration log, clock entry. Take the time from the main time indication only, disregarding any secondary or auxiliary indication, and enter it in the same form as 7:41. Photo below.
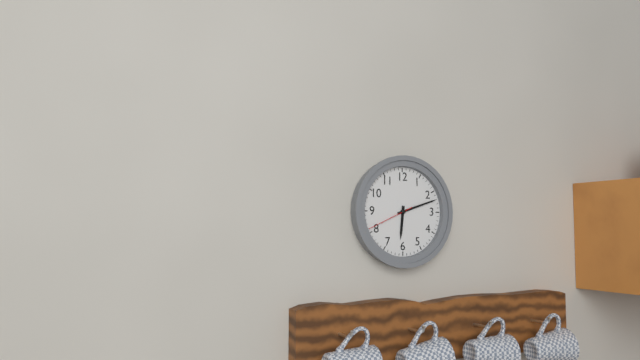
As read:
6:12
